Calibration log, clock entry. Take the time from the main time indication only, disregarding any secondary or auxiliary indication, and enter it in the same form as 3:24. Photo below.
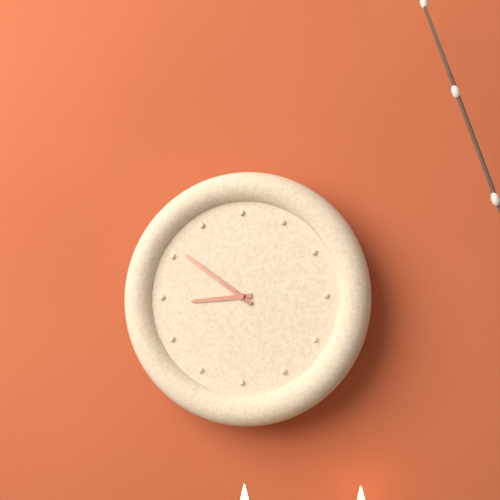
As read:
8:51
